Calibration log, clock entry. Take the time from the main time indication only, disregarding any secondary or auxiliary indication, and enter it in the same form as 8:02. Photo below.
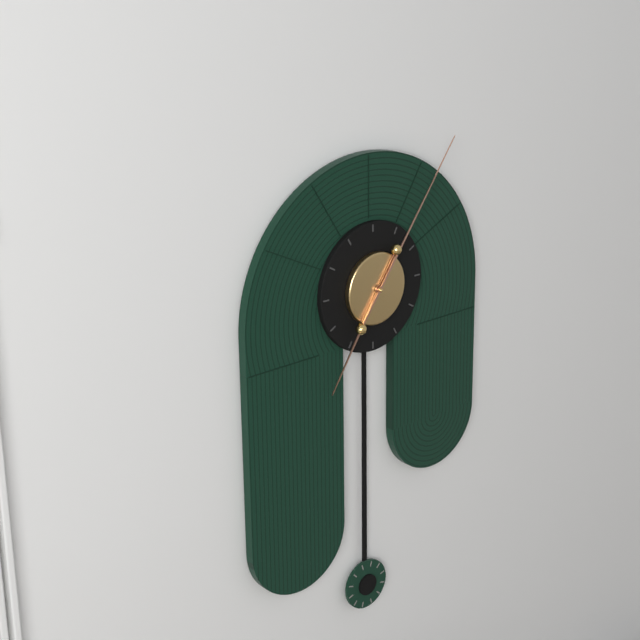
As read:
7:06
